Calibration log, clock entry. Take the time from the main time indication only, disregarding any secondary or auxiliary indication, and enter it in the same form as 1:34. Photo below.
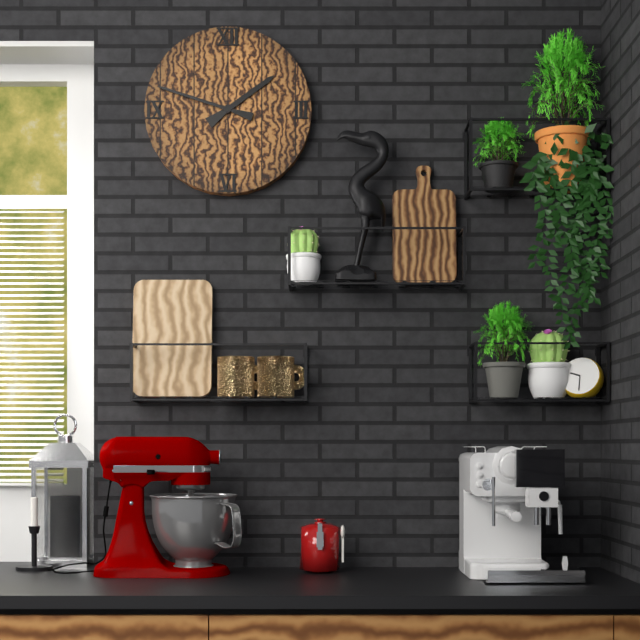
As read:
1:48
